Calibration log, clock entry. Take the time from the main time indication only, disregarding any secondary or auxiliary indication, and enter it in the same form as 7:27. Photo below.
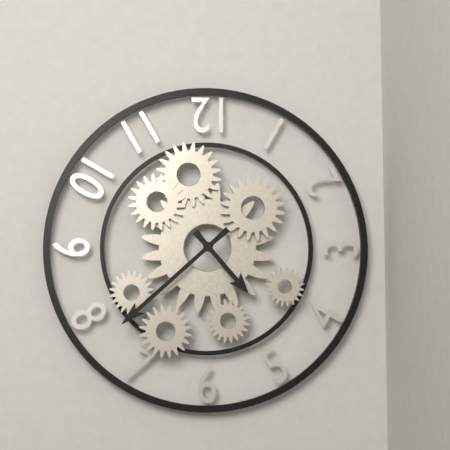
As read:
4:38
